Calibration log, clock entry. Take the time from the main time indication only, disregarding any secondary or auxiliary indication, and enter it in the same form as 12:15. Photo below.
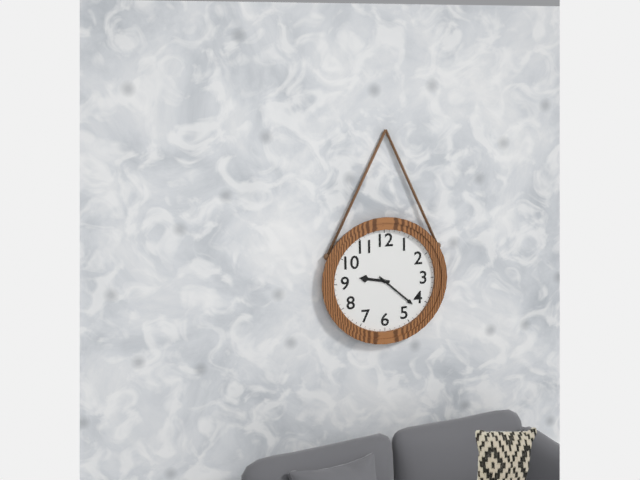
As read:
9:22
